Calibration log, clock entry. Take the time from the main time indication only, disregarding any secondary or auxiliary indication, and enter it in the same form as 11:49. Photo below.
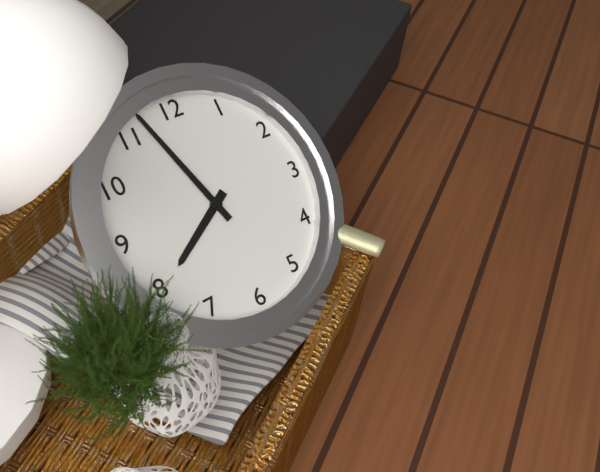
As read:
7:57
